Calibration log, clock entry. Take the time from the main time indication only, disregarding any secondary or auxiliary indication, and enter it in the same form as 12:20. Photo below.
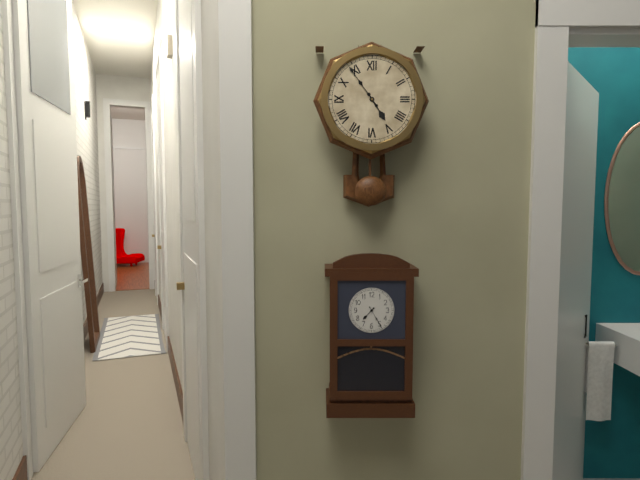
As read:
4:54
